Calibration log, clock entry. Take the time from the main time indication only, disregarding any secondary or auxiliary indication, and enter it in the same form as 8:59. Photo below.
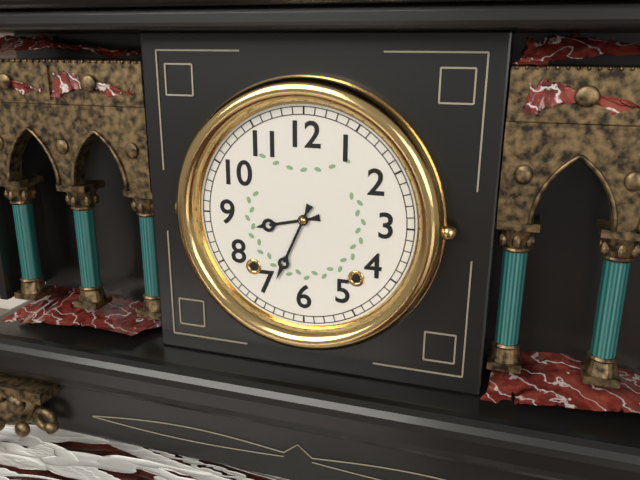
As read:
8:34
